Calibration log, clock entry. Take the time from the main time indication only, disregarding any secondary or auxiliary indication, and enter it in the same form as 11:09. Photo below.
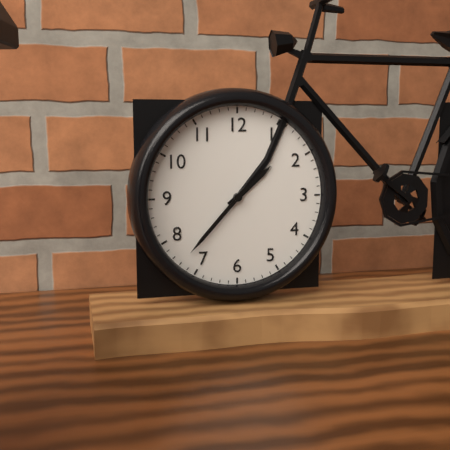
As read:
1:37
